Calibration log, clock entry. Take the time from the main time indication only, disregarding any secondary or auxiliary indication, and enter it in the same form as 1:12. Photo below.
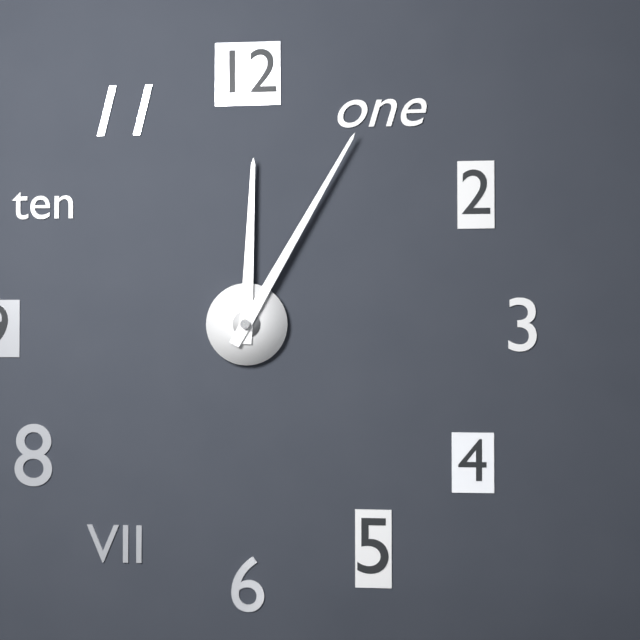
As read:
12:05
